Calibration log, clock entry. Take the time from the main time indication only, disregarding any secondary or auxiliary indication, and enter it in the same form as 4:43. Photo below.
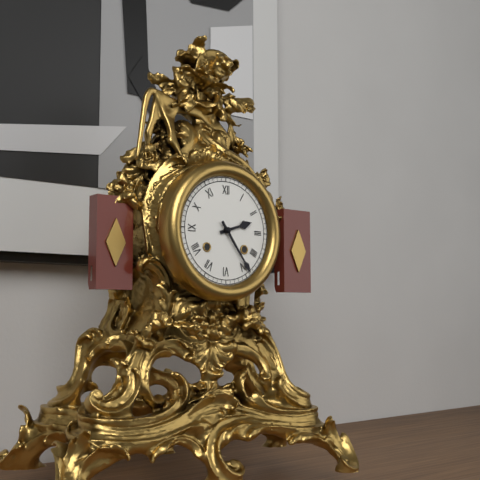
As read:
2:24
